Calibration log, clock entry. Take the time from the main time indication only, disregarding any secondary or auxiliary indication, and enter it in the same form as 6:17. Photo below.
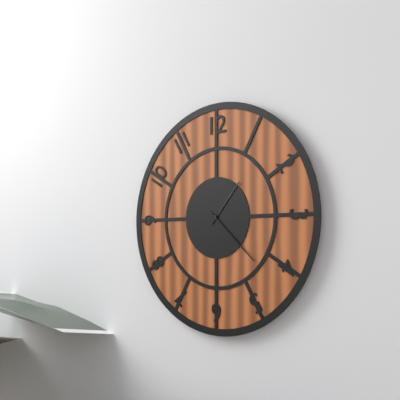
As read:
1:22
